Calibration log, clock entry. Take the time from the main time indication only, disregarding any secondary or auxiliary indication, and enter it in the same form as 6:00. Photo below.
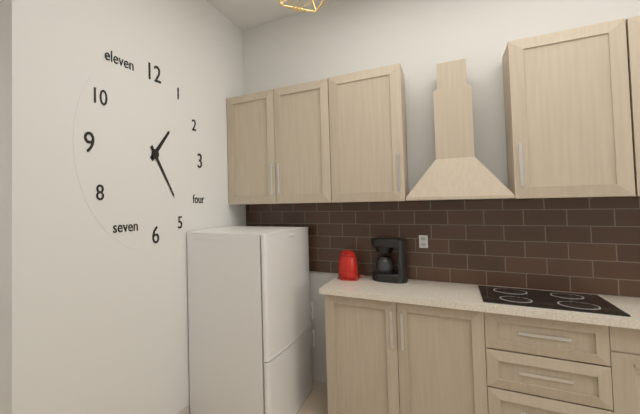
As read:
1:24
